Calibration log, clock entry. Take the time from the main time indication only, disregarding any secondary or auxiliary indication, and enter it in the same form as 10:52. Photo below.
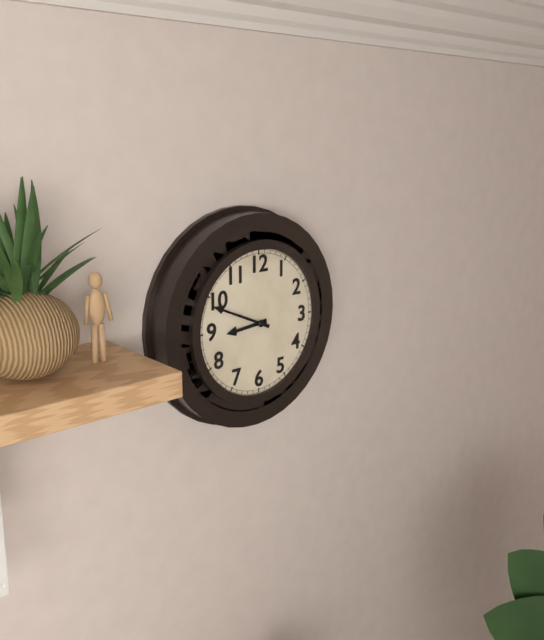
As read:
8:49
